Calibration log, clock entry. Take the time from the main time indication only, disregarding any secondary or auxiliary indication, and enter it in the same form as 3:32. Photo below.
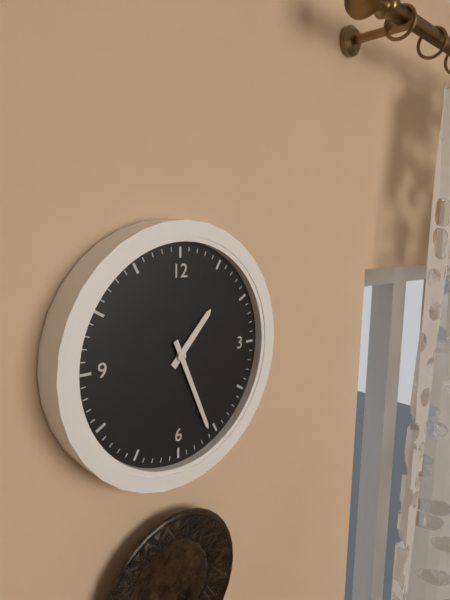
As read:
1:26
